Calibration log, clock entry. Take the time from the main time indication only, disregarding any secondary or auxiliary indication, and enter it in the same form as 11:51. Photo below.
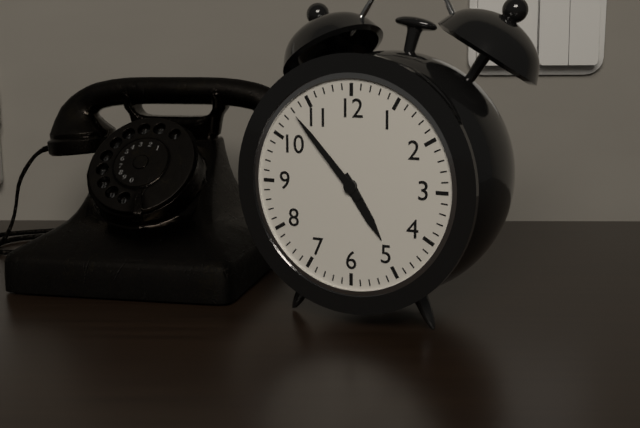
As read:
4:53
